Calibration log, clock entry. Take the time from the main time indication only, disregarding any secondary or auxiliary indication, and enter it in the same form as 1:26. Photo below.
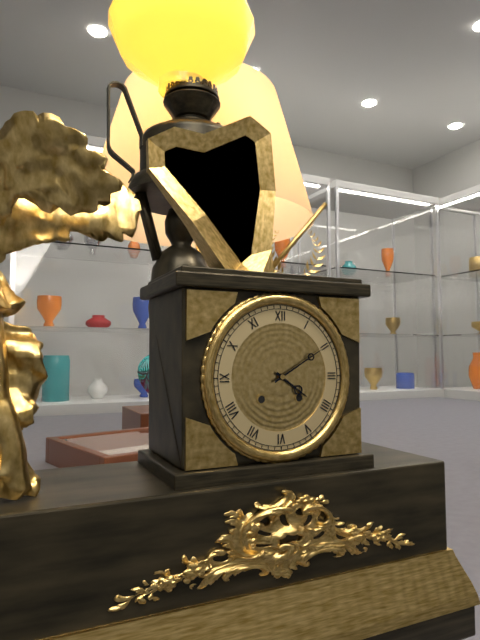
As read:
4:10
